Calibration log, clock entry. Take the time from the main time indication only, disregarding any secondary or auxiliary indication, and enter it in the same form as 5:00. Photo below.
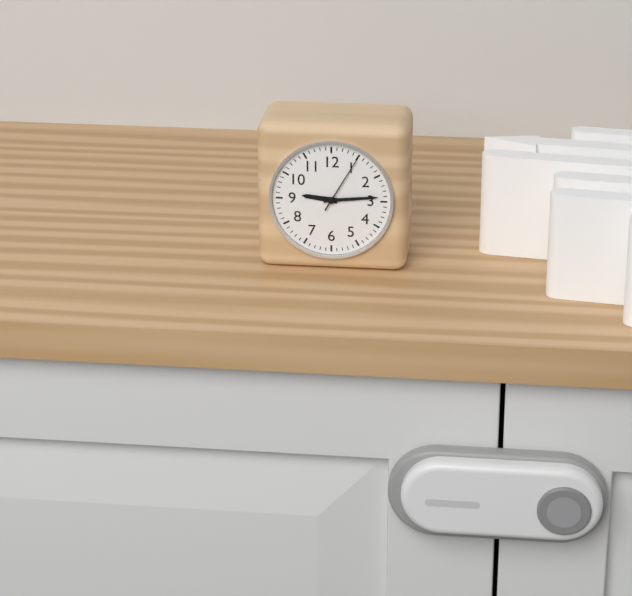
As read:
9:14
